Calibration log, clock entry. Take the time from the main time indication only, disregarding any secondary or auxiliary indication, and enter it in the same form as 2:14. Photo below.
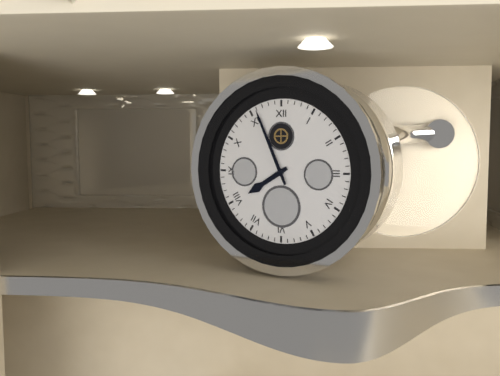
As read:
7:56
